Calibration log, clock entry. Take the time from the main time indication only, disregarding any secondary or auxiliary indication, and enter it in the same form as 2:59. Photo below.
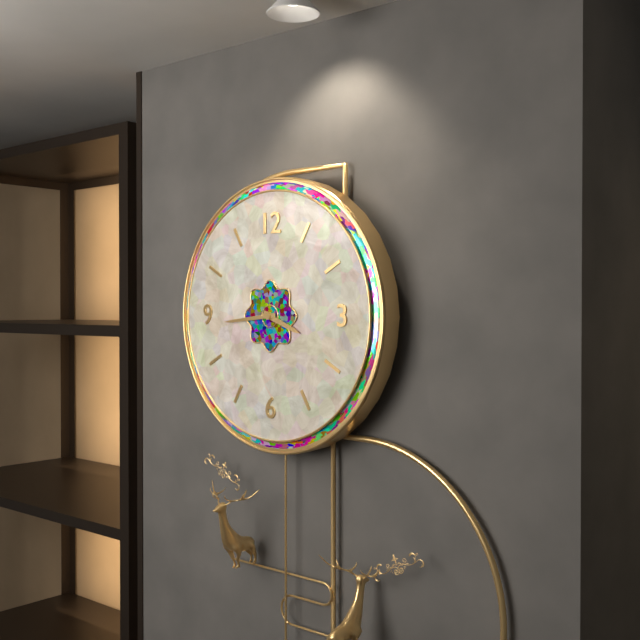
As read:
3:44
